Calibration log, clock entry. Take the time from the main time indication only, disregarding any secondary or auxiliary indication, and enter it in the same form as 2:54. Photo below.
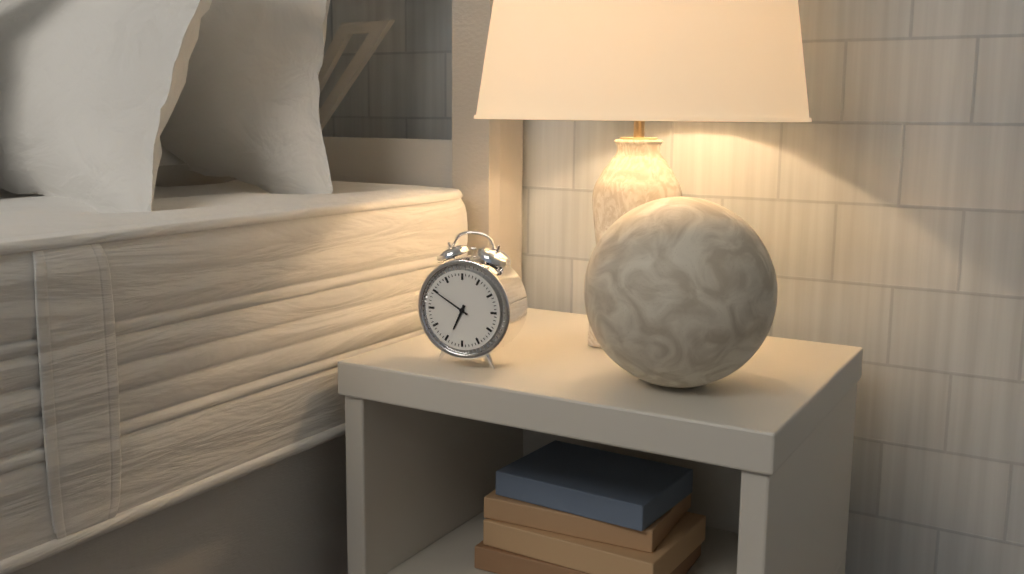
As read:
6:50
